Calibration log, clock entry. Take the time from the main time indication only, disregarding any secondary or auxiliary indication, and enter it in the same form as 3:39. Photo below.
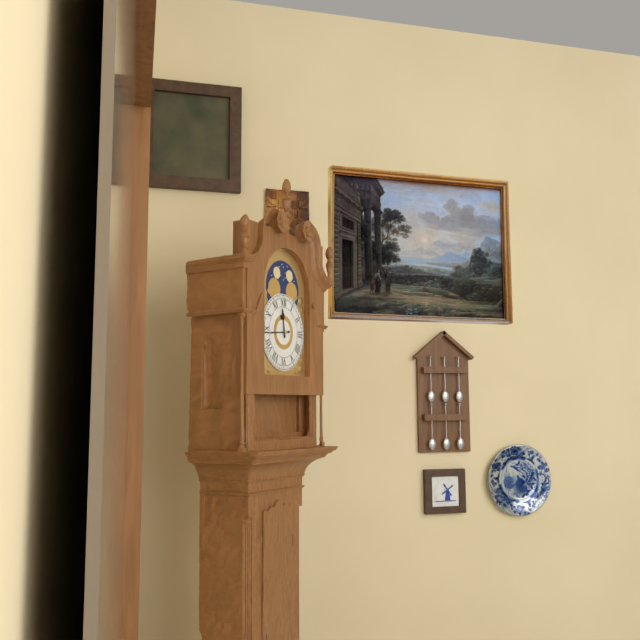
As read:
11:44
